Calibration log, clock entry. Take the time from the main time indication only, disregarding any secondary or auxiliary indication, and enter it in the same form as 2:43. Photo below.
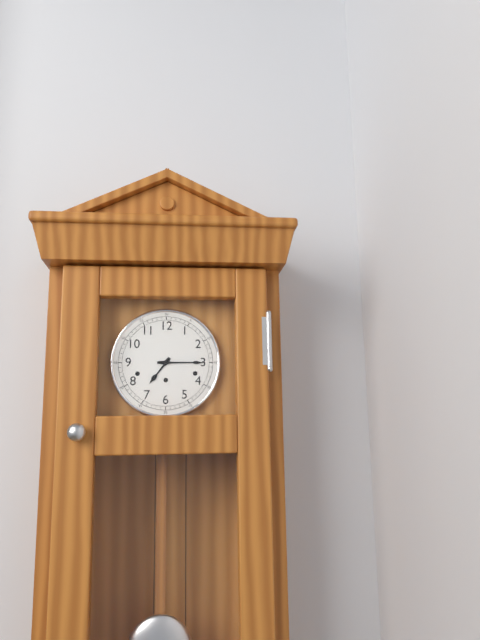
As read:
7:15
